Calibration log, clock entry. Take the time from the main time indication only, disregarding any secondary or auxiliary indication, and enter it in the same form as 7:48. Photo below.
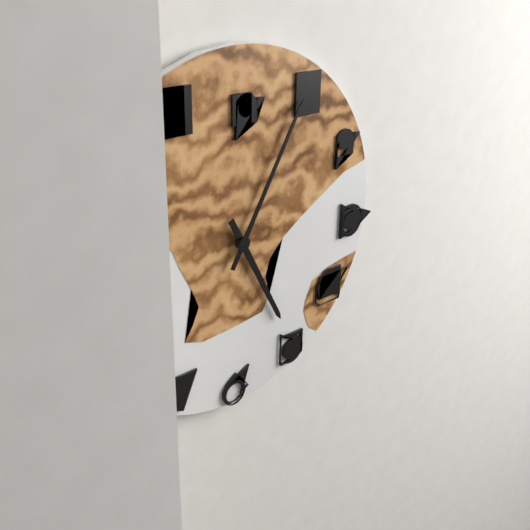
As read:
5:05
